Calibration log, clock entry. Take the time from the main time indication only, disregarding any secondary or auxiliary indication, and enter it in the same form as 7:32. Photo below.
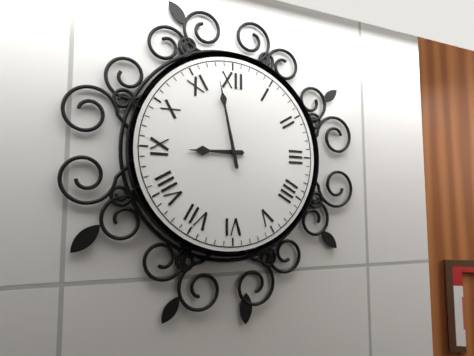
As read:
8:58
